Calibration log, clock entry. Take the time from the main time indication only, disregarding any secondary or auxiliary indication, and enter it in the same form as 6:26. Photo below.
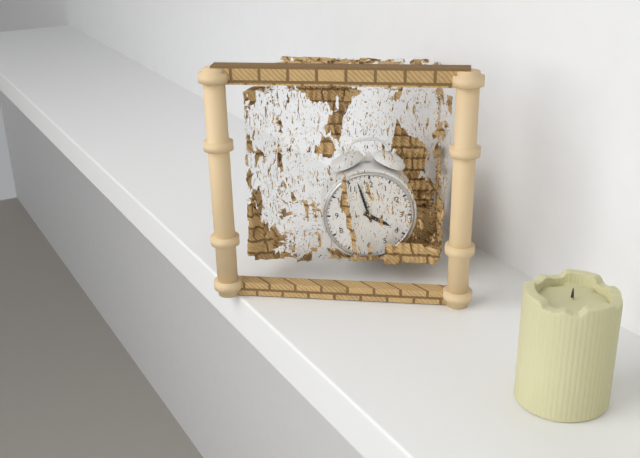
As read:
3:57
